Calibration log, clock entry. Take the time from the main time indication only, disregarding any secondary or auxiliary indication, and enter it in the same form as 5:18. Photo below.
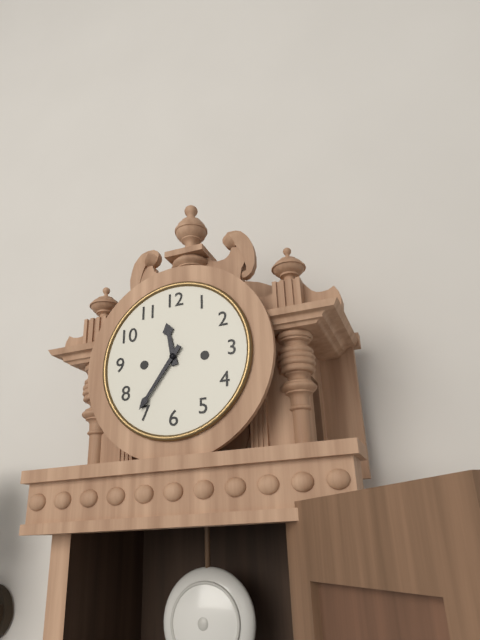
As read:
11:36
